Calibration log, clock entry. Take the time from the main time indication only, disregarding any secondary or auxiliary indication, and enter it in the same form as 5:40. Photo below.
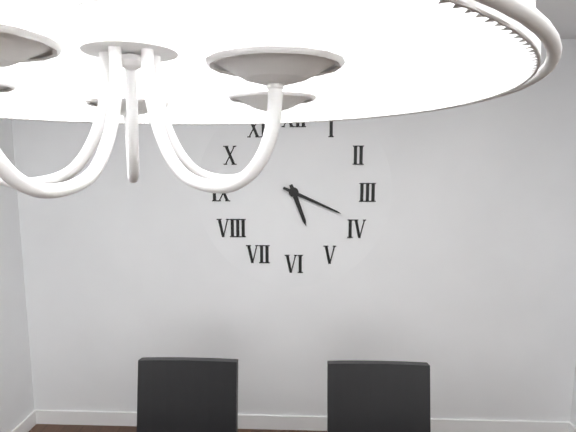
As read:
5:19
